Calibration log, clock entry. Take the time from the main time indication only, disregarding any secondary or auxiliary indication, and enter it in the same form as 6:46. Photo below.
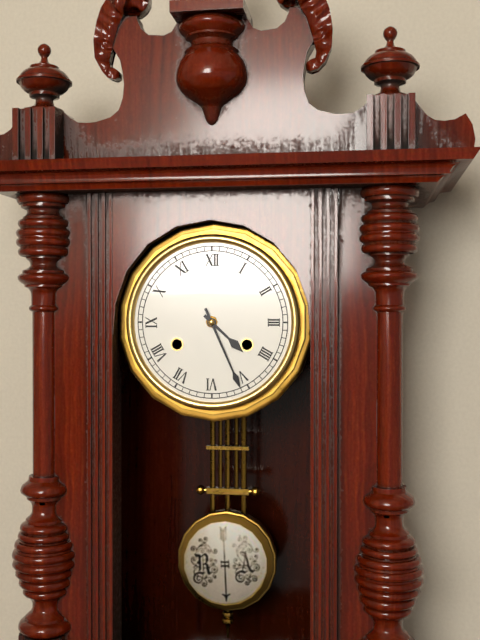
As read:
4:26
